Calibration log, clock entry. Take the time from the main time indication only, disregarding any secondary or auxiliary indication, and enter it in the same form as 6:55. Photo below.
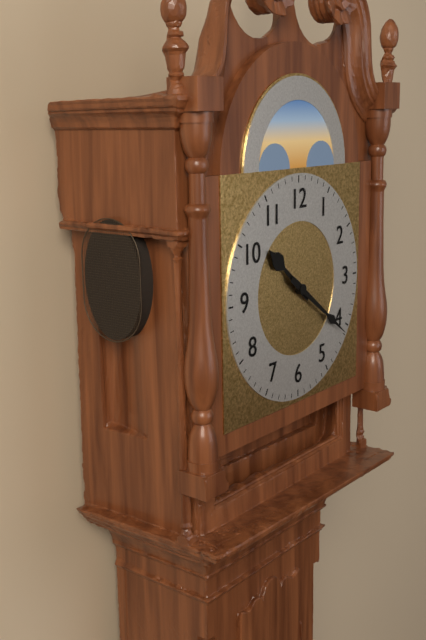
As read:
10:21
